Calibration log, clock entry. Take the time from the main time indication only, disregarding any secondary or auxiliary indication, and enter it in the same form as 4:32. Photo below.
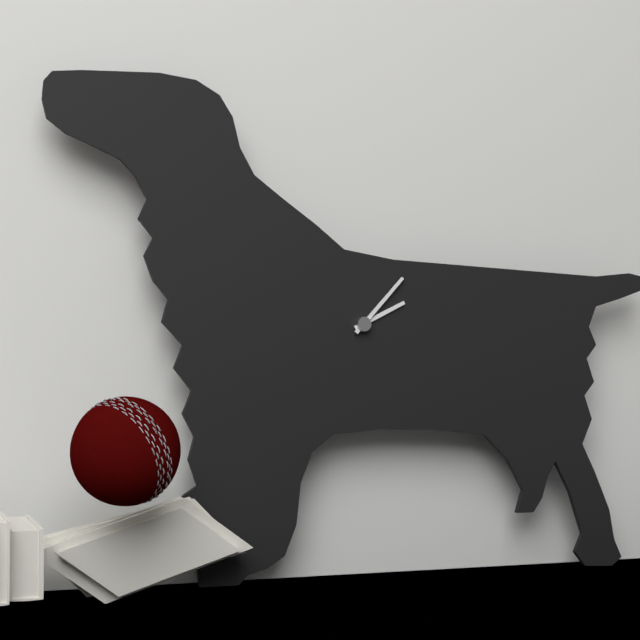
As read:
2:07
